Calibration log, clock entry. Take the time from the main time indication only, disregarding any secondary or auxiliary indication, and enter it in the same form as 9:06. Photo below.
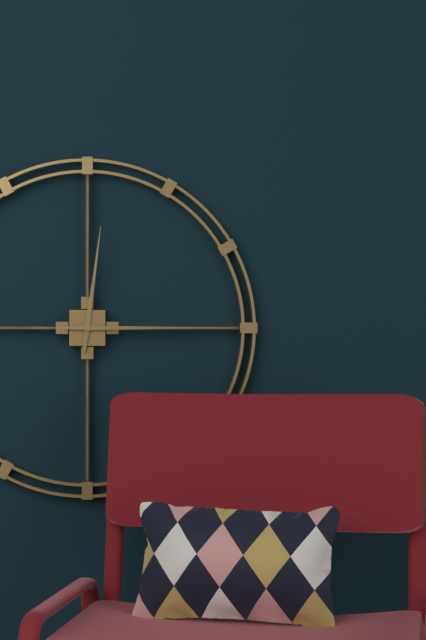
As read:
12:15
